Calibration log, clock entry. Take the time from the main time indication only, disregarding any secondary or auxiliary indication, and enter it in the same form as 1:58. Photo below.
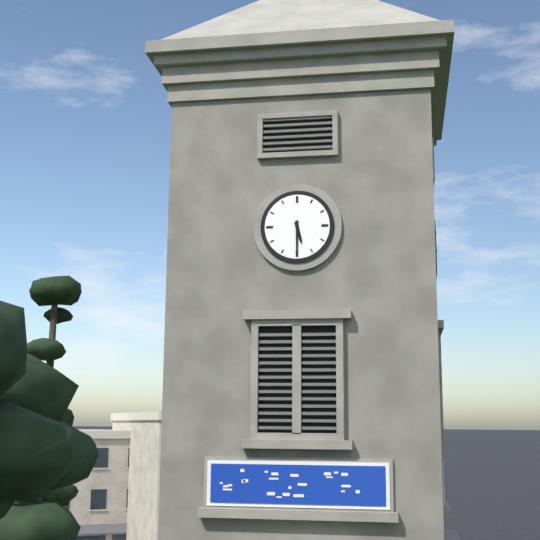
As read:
5:30
